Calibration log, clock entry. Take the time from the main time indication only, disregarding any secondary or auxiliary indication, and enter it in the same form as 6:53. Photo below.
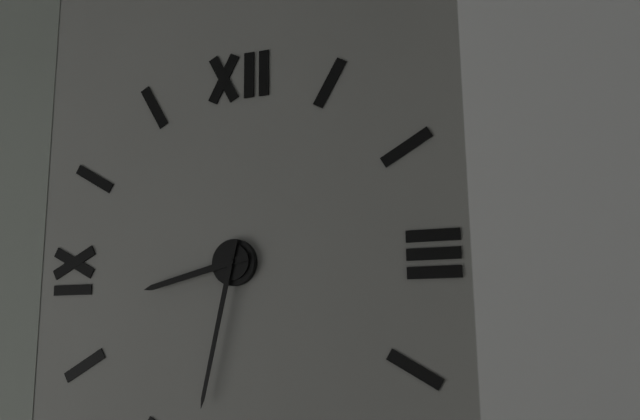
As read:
8:32
